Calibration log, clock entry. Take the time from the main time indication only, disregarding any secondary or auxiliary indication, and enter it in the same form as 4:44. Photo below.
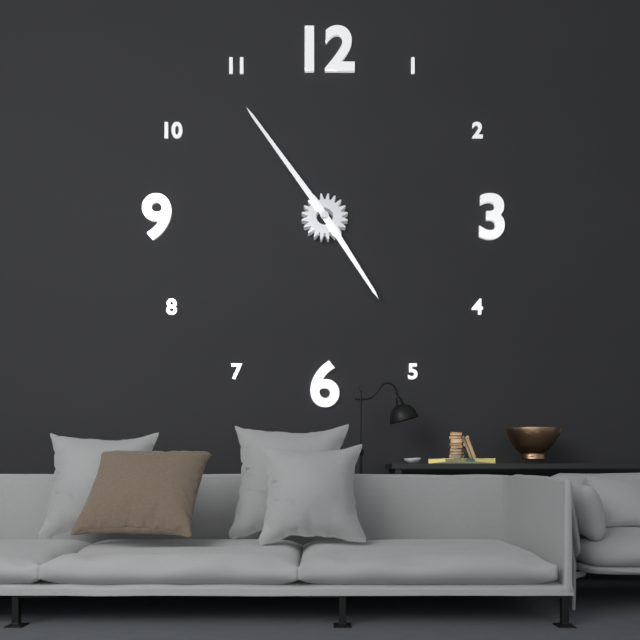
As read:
4:54
